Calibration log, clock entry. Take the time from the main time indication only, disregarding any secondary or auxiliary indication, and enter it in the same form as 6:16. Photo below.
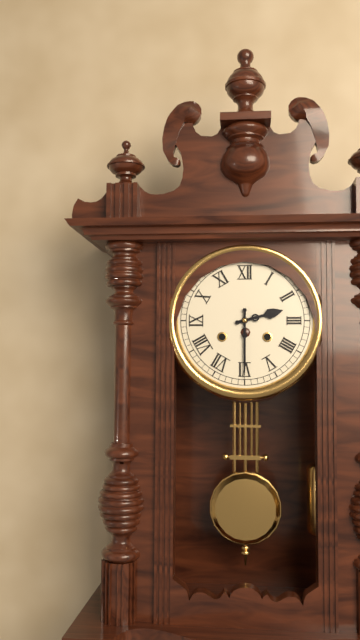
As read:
2:30
